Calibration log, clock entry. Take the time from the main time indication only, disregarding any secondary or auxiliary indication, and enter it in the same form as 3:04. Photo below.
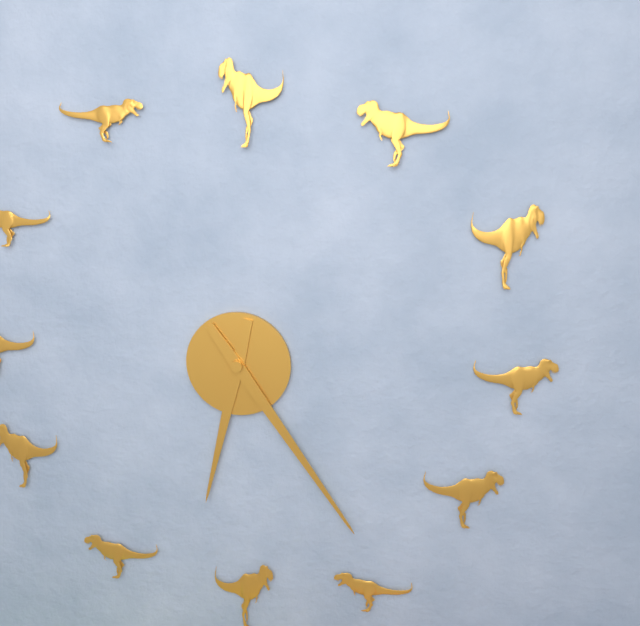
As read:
6:24
